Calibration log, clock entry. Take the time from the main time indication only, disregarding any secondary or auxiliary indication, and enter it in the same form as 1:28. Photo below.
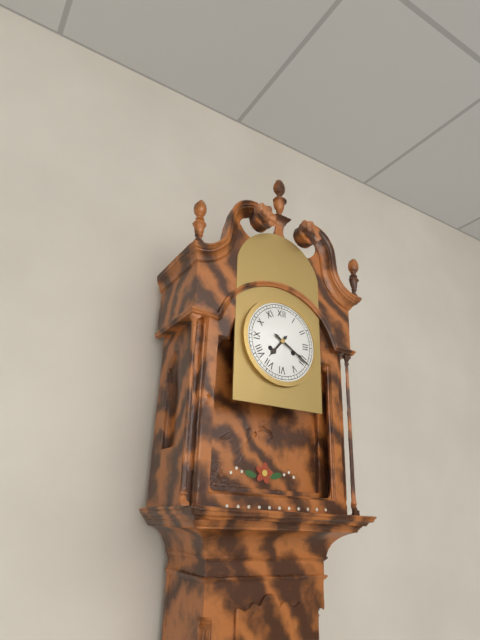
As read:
7:20
